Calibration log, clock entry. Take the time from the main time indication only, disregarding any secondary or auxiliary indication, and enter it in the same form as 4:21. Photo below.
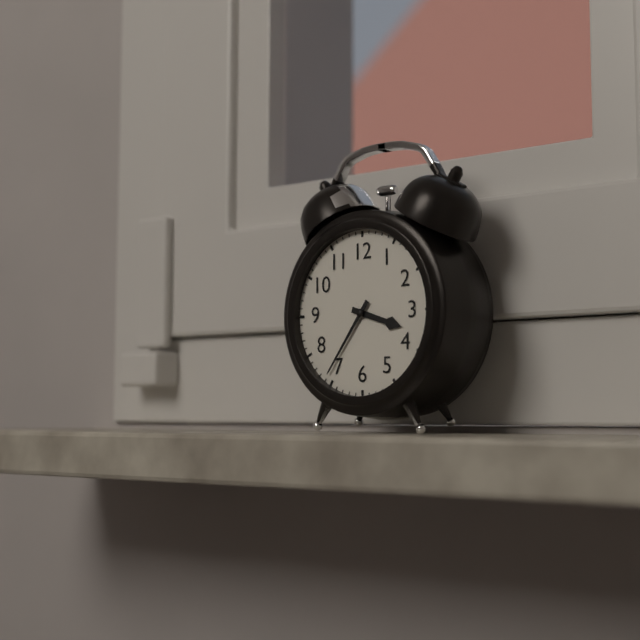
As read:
3:36
